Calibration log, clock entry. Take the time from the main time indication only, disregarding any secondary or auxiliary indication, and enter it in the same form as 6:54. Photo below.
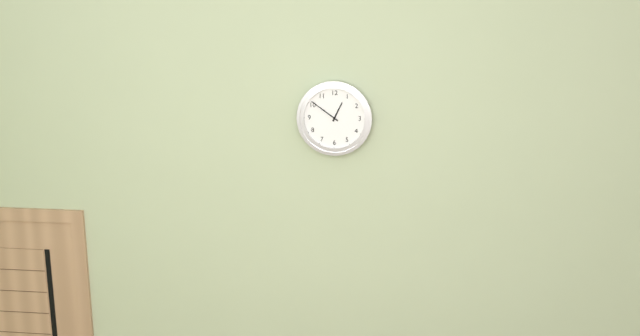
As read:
12:51
